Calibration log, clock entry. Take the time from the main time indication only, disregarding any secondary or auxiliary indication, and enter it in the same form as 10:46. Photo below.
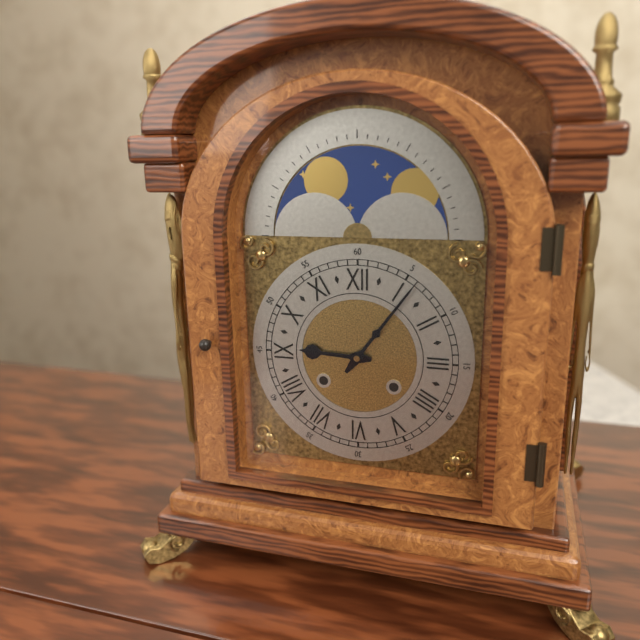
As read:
9:06
